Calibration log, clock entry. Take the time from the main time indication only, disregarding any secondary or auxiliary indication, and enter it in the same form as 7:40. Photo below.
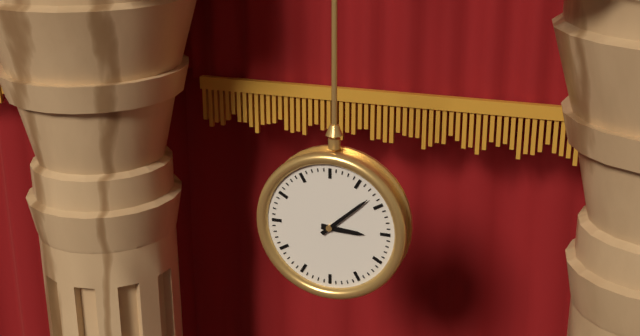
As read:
3:08
